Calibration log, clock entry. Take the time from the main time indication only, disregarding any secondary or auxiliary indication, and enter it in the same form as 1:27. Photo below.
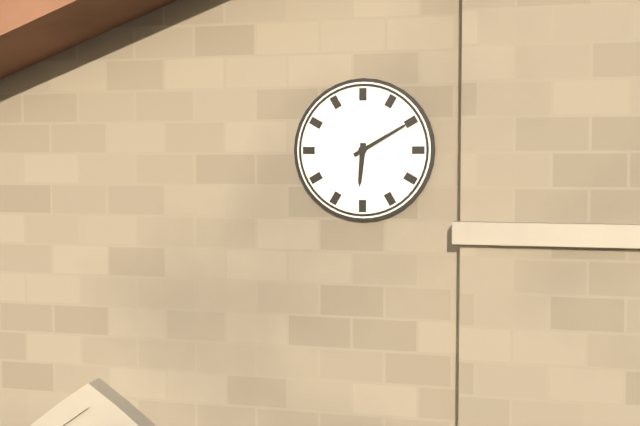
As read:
6:10
